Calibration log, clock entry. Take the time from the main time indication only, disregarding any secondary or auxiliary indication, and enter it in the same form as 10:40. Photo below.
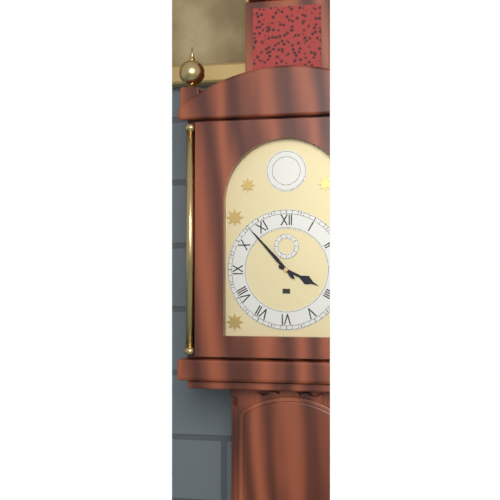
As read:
3:53
